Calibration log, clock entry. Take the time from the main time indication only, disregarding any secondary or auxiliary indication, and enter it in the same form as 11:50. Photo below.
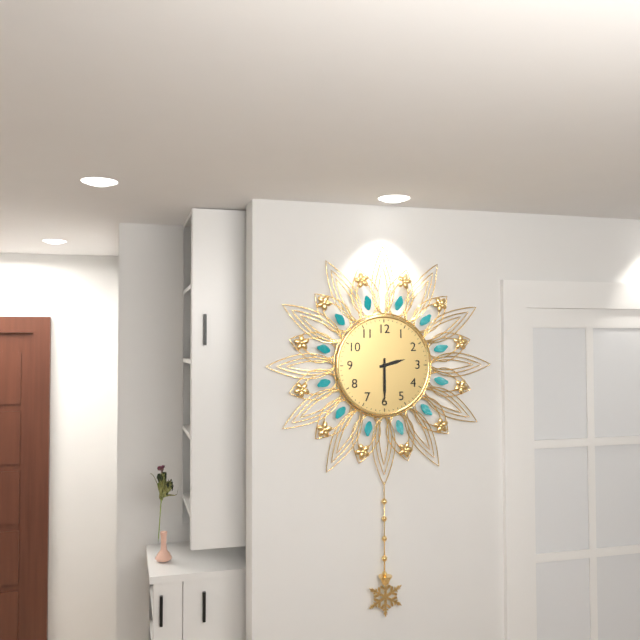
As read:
2:30
